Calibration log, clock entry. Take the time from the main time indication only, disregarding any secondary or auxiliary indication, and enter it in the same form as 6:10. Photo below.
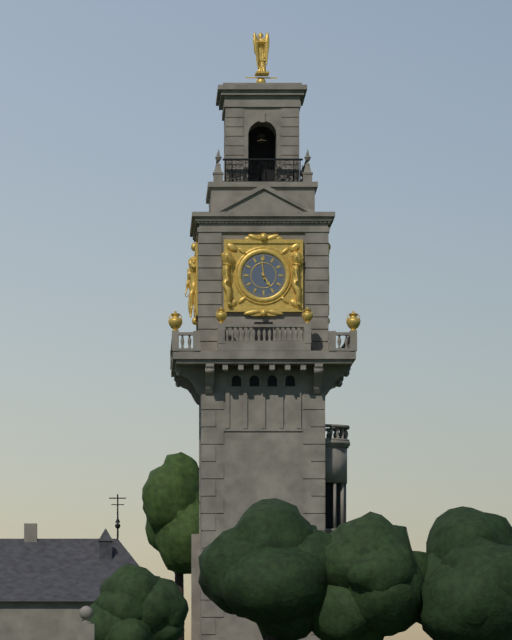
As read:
4:59
